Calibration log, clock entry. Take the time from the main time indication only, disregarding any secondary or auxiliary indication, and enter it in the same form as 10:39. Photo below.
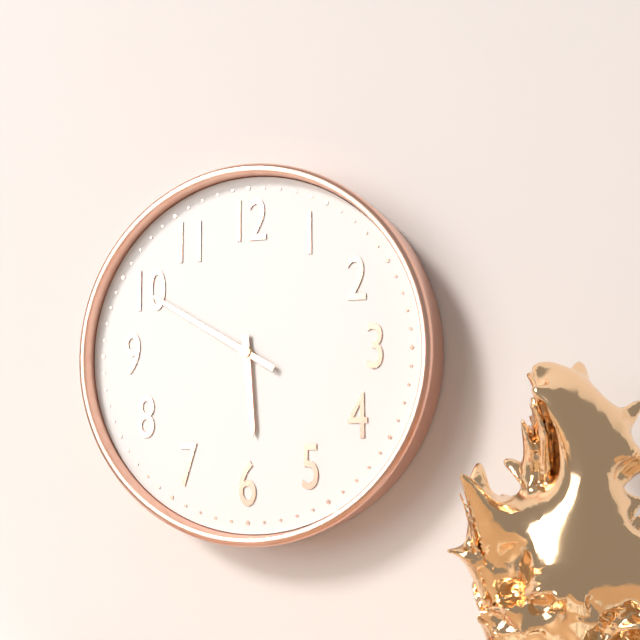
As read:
5:50
